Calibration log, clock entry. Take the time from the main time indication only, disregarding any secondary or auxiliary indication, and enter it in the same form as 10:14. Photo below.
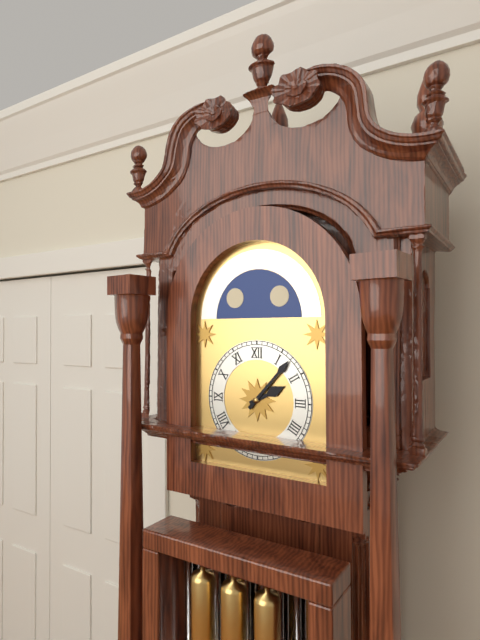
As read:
2:07
